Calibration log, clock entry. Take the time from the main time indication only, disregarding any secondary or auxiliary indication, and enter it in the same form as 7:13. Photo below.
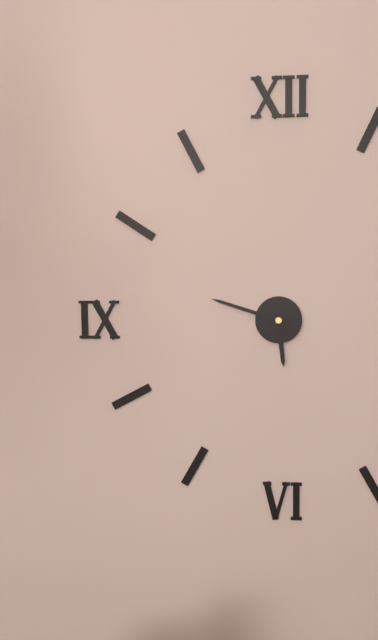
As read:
5:48
